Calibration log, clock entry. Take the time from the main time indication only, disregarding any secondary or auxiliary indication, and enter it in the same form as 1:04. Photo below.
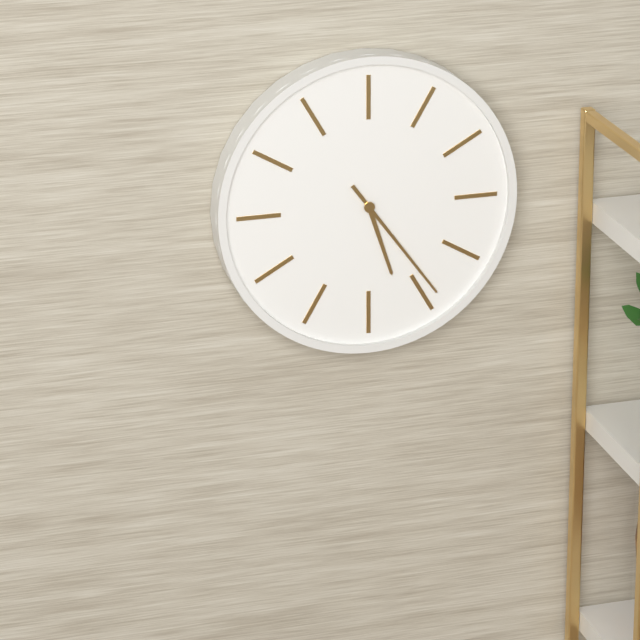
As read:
5:24
